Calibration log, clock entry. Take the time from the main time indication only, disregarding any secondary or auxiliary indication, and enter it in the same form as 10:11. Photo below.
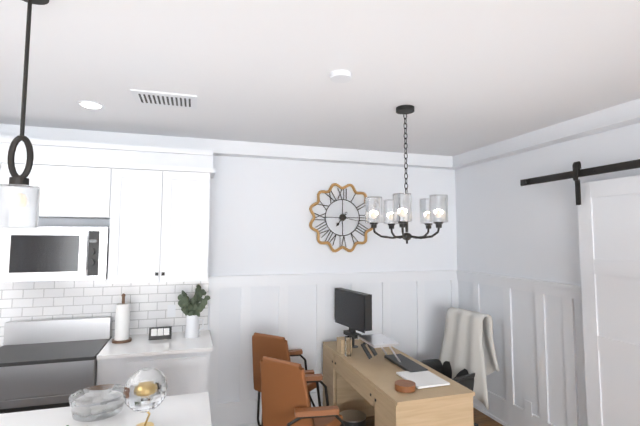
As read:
7:17
